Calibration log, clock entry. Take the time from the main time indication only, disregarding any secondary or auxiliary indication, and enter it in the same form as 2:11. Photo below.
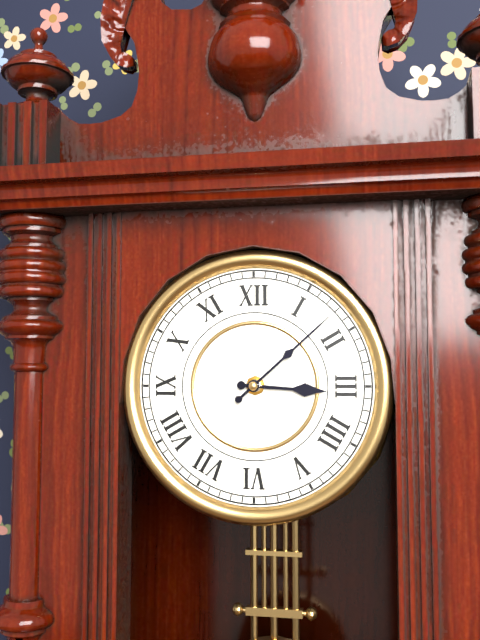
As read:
3:08
